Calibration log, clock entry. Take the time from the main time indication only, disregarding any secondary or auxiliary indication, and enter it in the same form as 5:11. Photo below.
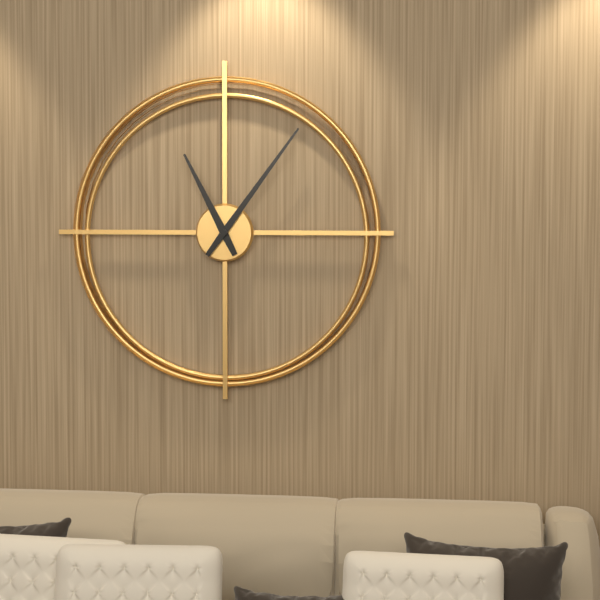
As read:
11:06
